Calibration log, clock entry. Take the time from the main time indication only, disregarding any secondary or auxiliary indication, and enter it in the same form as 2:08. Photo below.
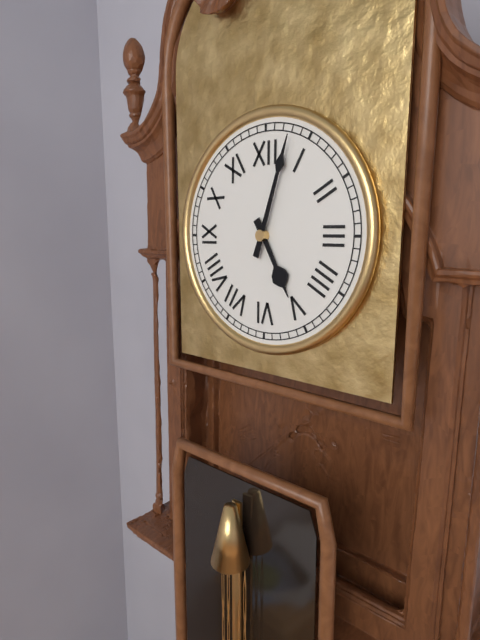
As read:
5:03
